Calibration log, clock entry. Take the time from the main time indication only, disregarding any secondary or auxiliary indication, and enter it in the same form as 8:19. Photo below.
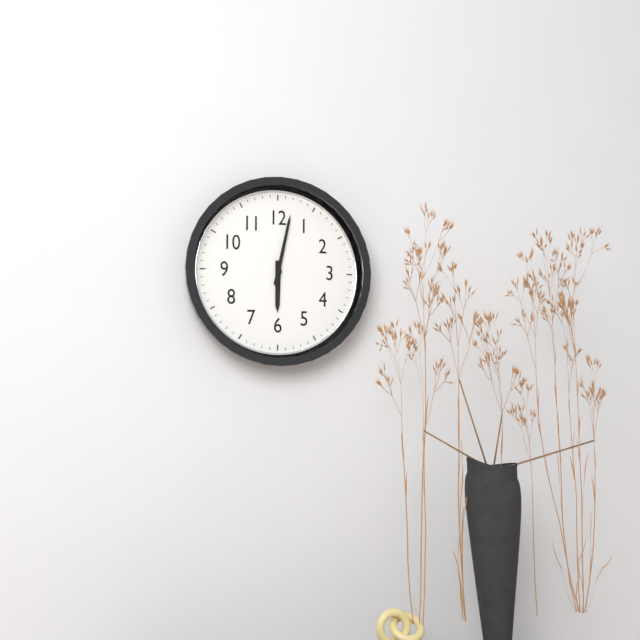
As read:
6:02
